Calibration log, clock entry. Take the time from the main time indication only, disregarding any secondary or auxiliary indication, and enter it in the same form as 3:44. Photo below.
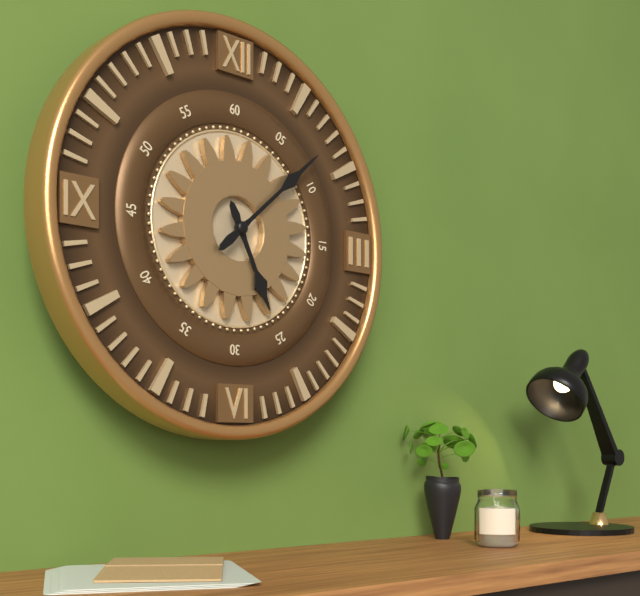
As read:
5:08
